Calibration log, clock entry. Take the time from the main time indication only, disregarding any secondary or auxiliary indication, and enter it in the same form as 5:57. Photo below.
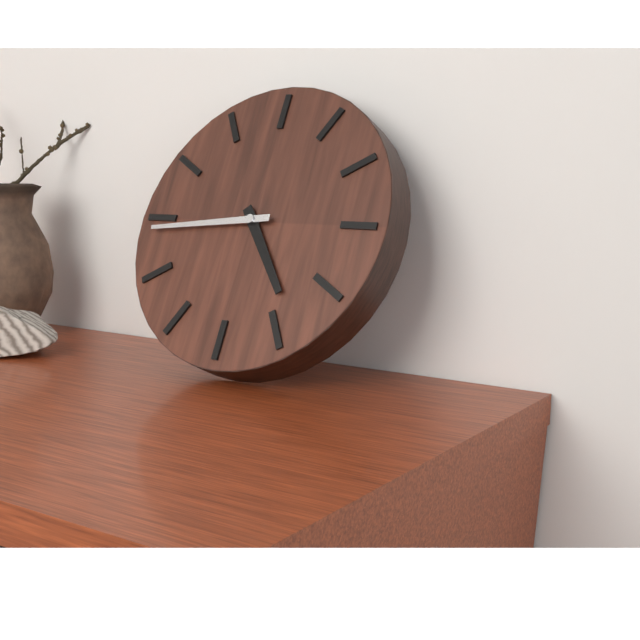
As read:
4:44
